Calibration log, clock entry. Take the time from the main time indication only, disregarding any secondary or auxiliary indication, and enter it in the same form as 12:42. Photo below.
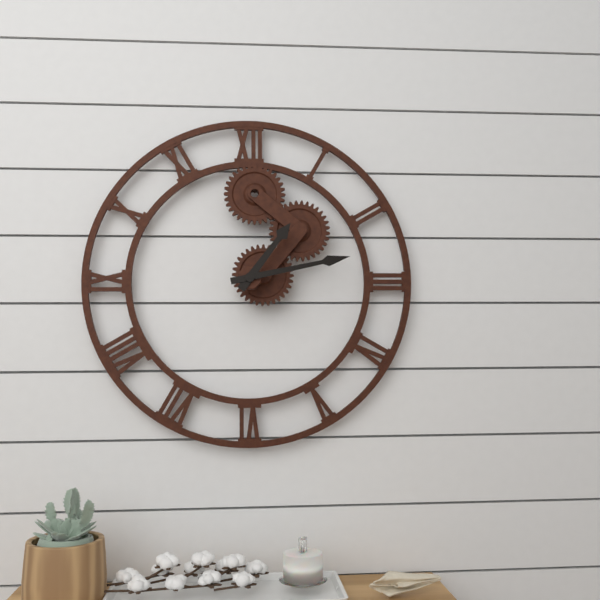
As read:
1:13
